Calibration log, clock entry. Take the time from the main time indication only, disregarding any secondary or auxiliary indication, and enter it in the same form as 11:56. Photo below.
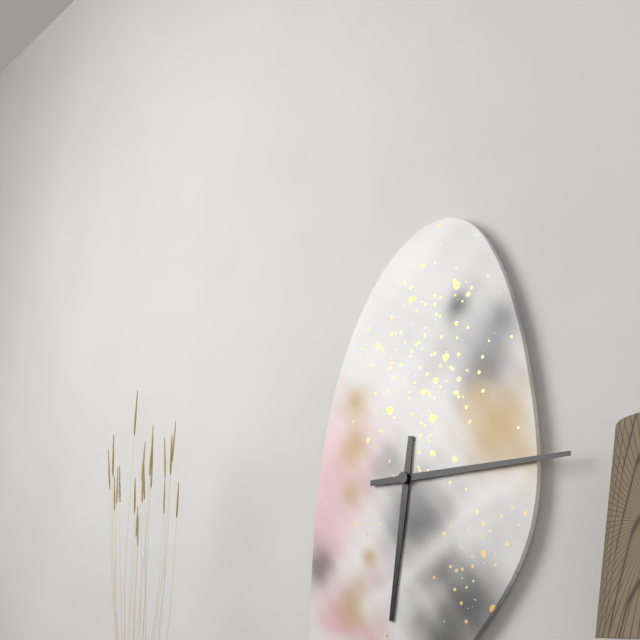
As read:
6:15
